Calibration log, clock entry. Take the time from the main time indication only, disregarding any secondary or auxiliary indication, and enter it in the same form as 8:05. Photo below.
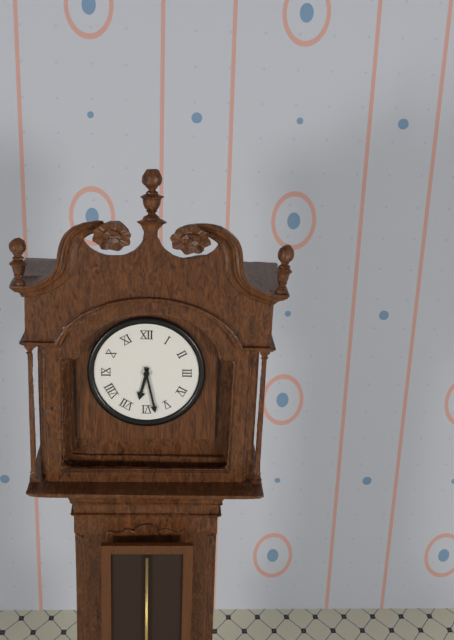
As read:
6:28
